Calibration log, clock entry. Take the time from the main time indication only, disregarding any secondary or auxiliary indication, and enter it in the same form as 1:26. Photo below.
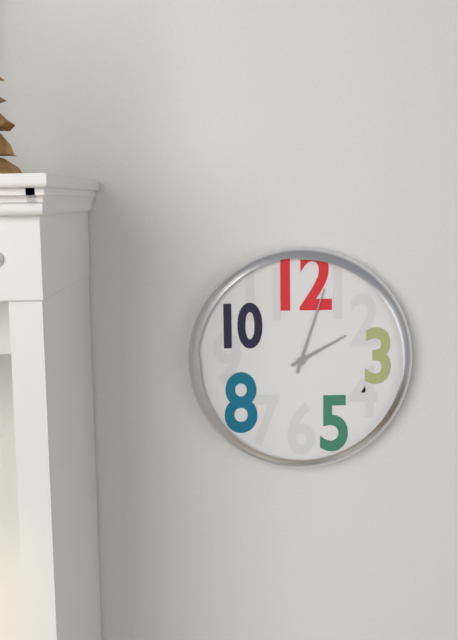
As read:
2:03
